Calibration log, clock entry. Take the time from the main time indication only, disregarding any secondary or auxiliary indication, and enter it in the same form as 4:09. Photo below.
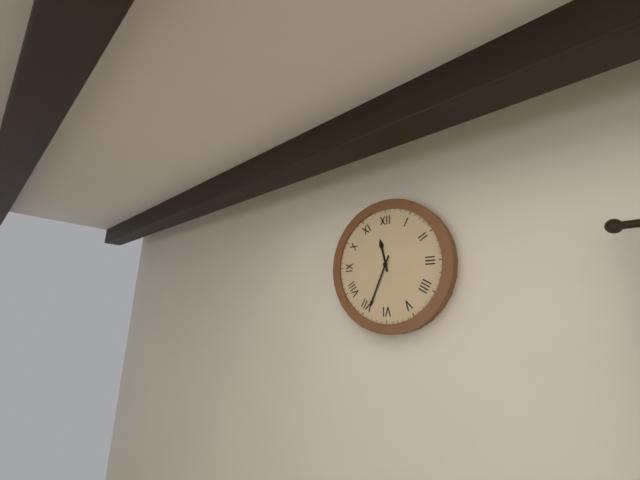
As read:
11:34
